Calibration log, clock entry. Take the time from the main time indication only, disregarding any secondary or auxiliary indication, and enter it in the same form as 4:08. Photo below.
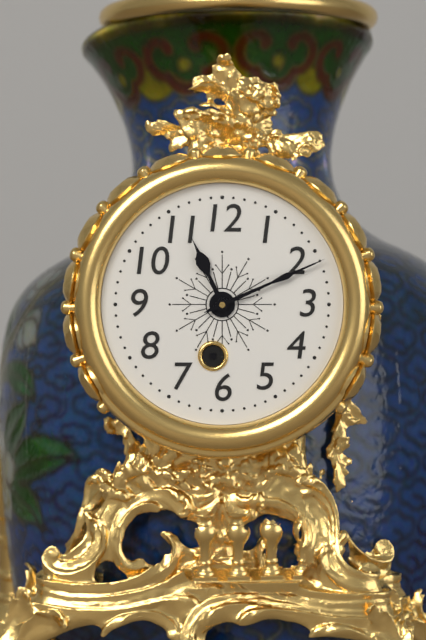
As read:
11:11
